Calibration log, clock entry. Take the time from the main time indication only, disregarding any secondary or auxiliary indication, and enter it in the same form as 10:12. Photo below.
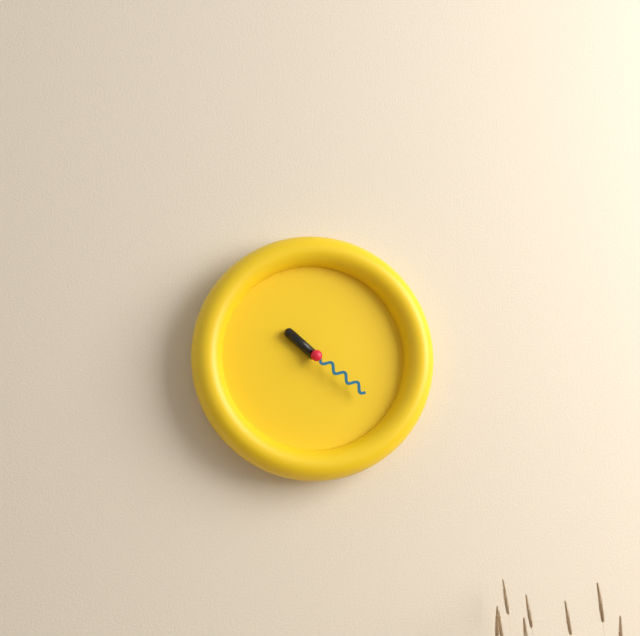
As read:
10:21
